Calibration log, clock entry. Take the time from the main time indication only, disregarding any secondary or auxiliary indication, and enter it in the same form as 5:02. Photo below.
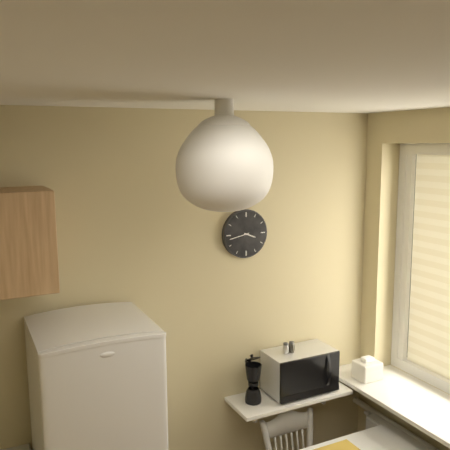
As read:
3:43
